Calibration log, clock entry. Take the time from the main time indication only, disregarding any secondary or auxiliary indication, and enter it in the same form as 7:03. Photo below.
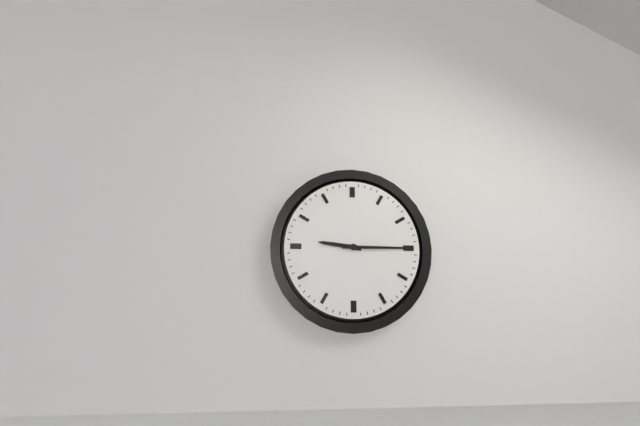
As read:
9:15
